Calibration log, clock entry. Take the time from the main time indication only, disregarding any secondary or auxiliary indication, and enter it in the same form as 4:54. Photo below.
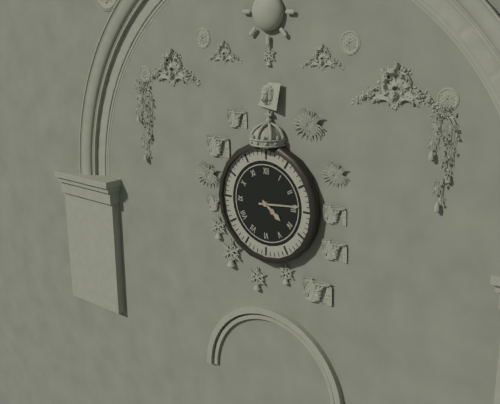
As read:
4:14
